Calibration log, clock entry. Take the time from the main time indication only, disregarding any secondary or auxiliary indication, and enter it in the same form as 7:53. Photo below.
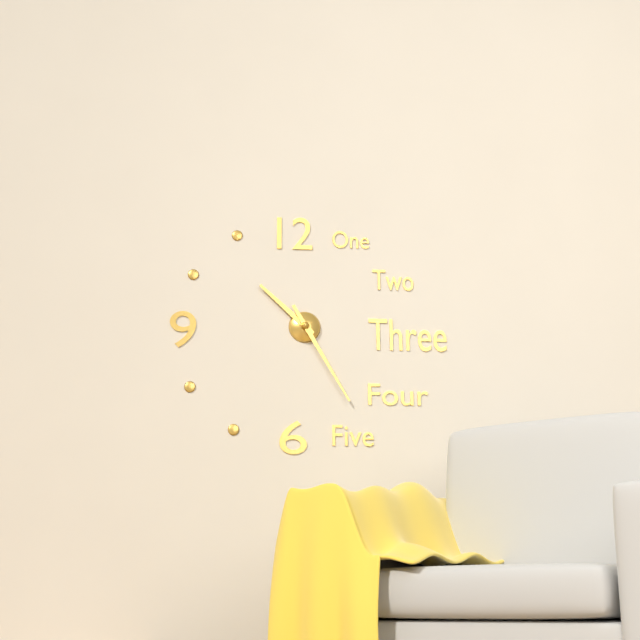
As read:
10:25
